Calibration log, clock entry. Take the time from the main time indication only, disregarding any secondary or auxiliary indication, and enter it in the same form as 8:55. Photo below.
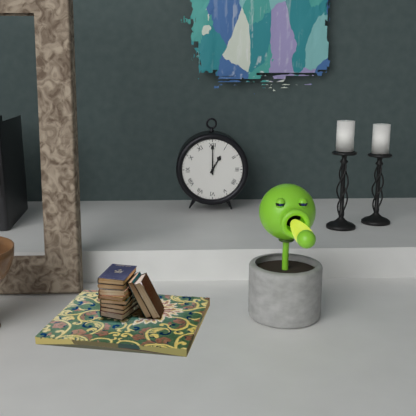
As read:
1:00
